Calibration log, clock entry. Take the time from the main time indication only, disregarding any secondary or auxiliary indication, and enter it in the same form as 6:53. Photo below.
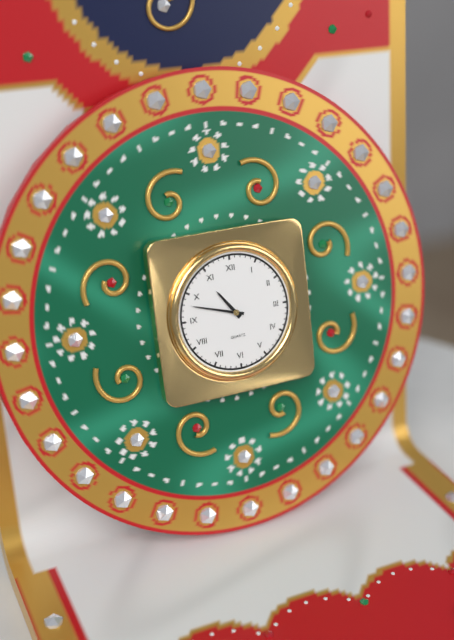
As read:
10:48
